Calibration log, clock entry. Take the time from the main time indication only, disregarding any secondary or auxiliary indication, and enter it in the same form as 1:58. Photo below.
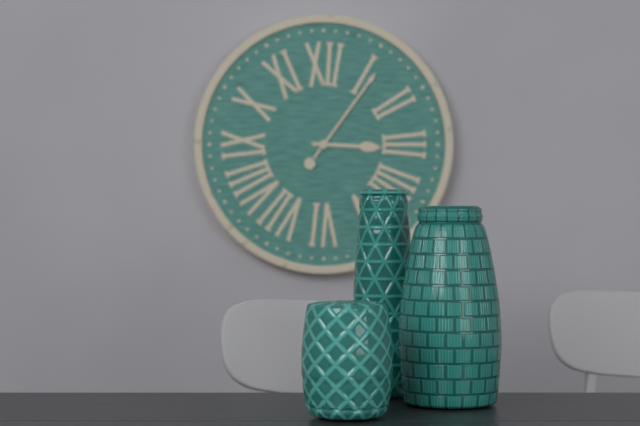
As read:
3:06
